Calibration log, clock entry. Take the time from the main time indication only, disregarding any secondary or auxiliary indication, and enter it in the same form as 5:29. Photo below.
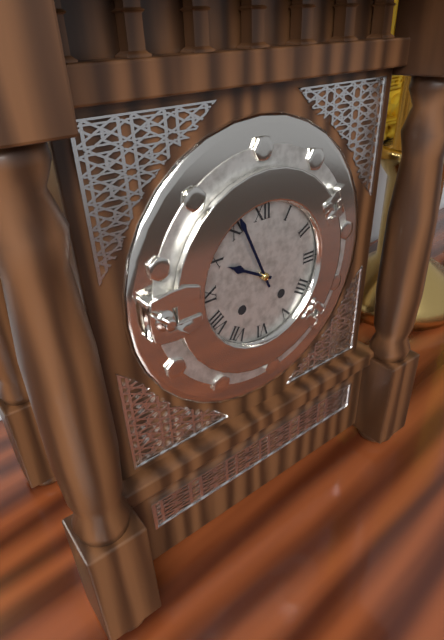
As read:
9:56
